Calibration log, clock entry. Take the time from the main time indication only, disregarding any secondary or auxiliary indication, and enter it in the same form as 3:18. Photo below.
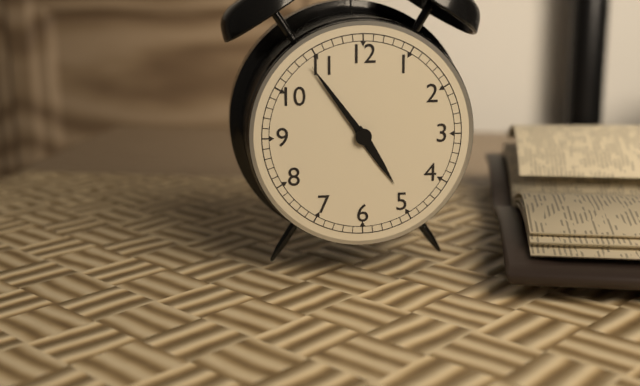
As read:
4:54
